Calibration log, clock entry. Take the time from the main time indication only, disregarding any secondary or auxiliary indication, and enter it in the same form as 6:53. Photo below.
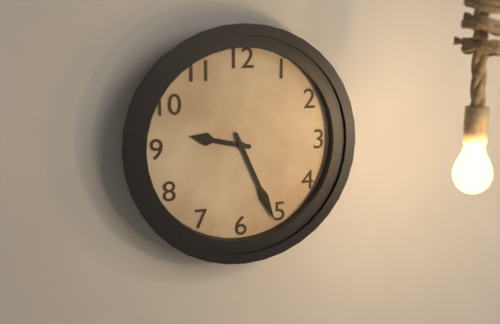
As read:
9:26
